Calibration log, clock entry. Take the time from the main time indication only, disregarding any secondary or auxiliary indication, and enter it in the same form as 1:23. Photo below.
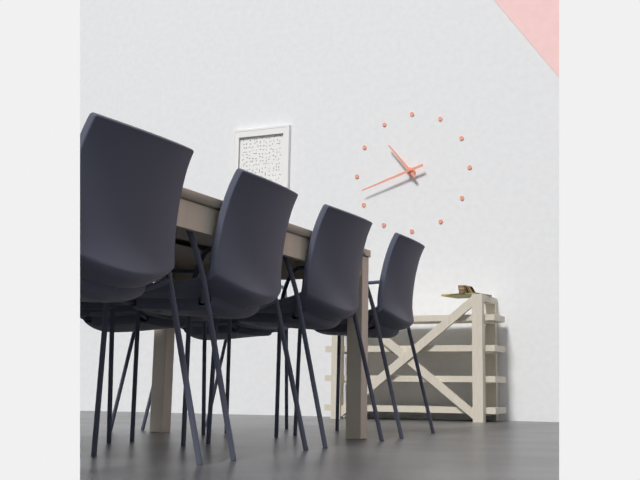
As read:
10:42
